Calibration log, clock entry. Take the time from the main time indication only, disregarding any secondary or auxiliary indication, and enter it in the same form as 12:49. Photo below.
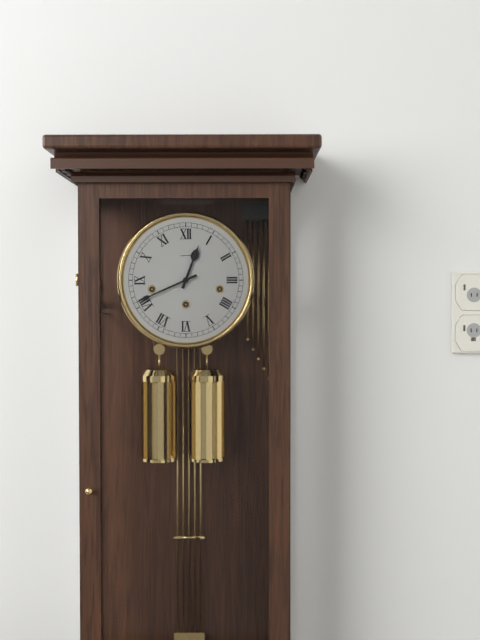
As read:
12:41
